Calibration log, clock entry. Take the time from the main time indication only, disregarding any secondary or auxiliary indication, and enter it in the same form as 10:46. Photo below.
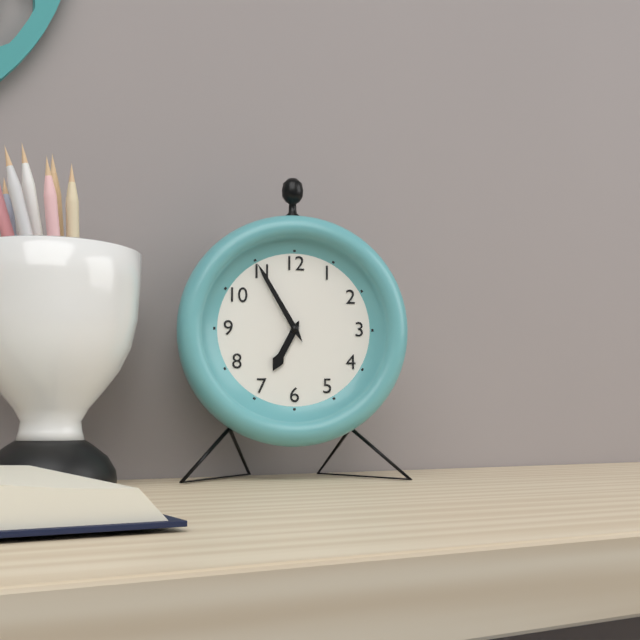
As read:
6:55
